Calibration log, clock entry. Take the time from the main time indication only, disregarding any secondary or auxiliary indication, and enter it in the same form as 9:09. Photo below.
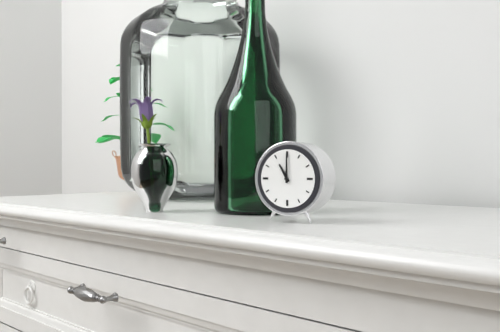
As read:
11:00
